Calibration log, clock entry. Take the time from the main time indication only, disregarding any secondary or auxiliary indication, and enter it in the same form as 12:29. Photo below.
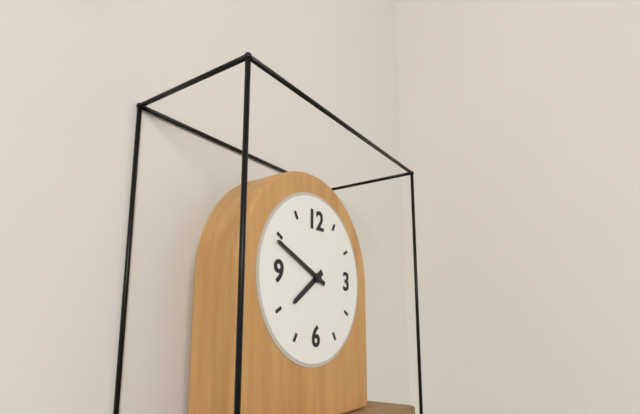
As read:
7:49
